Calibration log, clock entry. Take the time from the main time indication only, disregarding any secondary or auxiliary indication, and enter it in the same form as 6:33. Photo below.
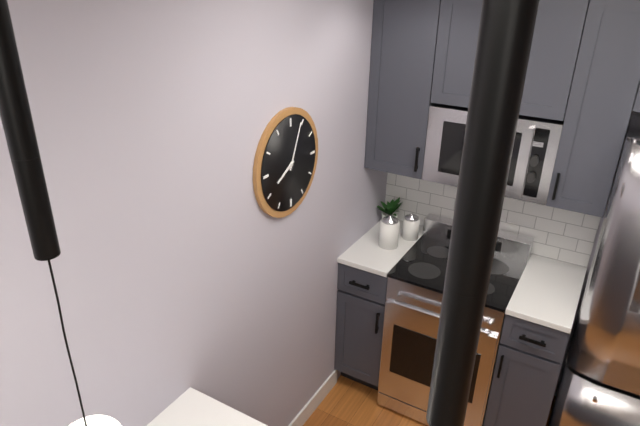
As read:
8:04
